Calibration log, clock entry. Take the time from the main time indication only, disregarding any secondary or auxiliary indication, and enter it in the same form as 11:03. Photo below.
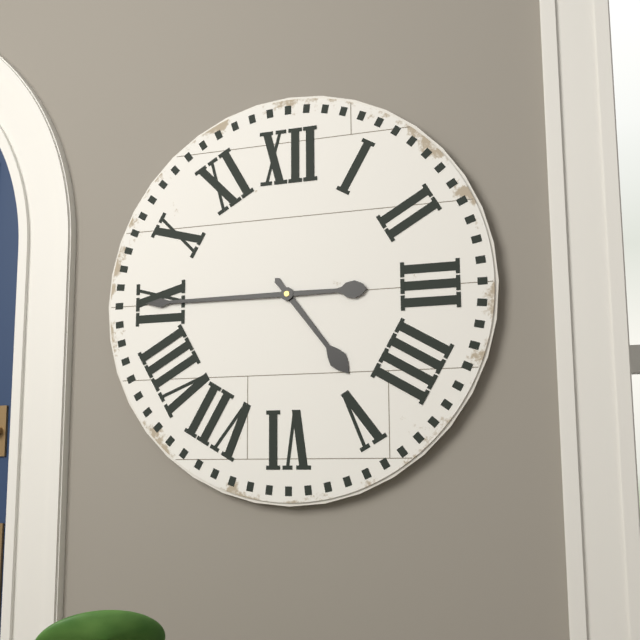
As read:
4:45
